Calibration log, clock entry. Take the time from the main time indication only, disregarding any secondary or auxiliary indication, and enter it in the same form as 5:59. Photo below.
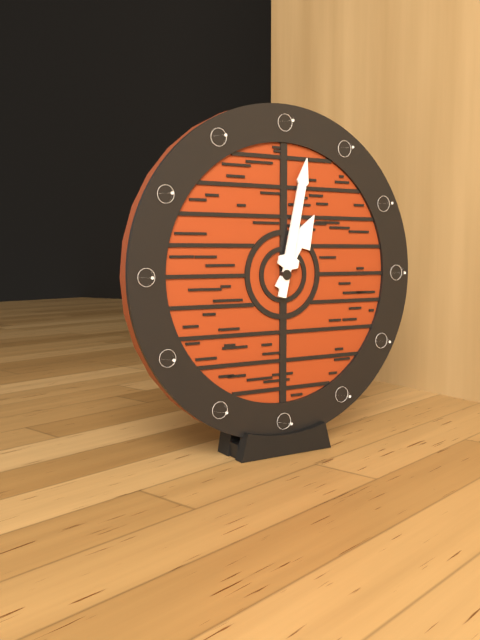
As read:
1:02
